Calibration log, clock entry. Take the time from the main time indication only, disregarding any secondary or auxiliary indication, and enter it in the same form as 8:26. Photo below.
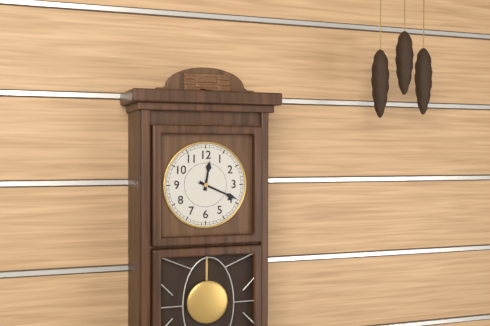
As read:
12:19
